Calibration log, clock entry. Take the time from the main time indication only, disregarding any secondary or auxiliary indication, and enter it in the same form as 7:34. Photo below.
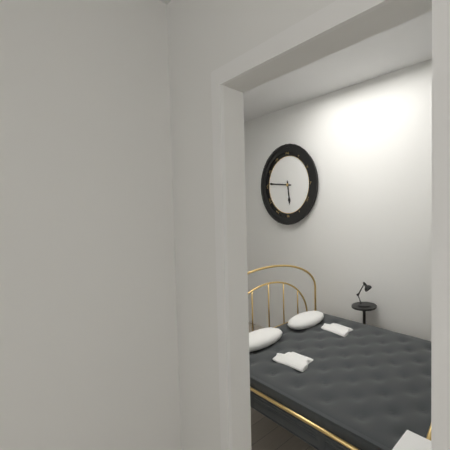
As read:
5:46
